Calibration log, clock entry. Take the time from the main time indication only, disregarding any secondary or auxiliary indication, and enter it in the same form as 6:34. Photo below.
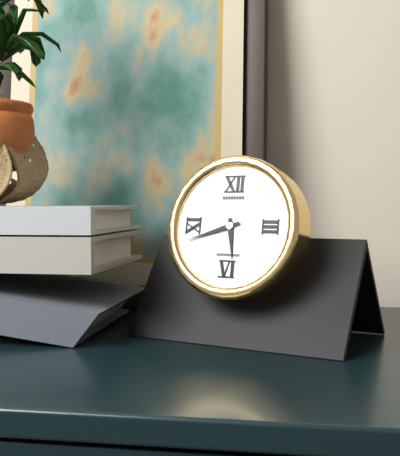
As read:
5:42
